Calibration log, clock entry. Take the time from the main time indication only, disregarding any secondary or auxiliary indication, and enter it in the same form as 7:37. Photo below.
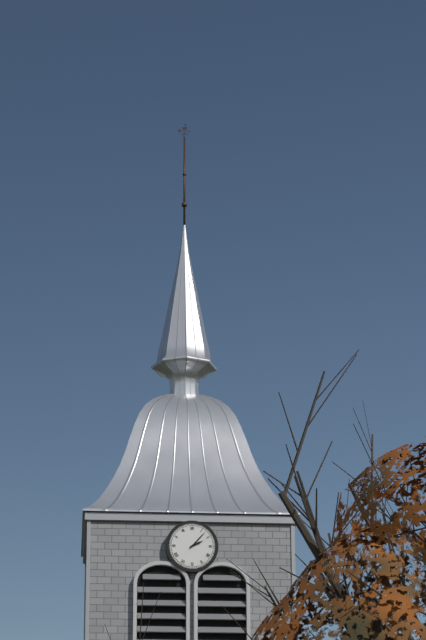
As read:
2:07
